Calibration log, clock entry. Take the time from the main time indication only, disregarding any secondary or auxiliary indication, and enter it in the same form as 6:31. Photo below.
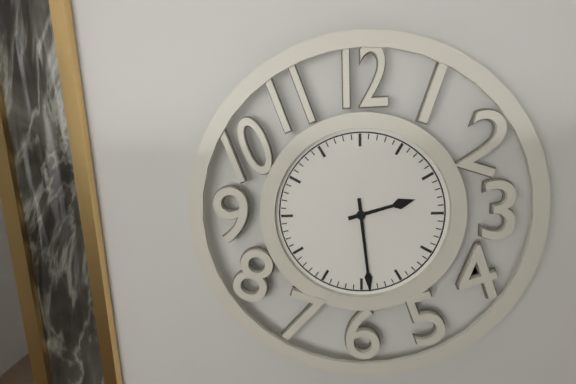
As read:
2:29
